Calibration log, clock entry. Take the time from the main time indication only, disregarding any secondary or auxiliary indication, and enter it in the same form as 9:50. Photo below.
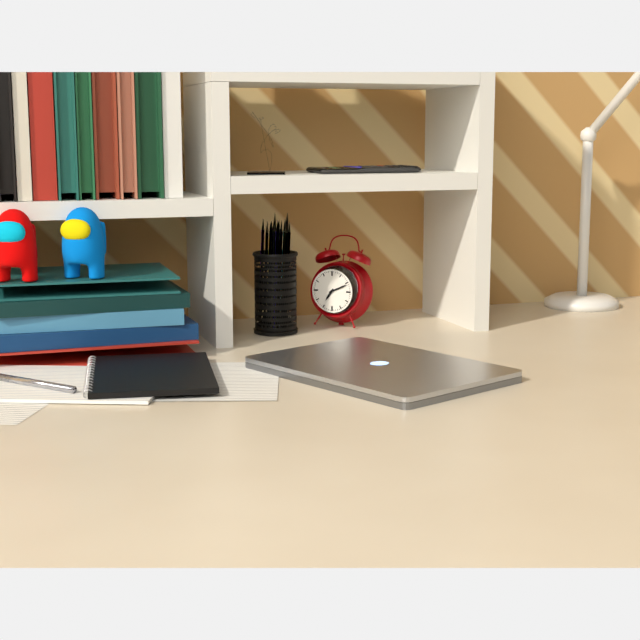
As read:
7:11
